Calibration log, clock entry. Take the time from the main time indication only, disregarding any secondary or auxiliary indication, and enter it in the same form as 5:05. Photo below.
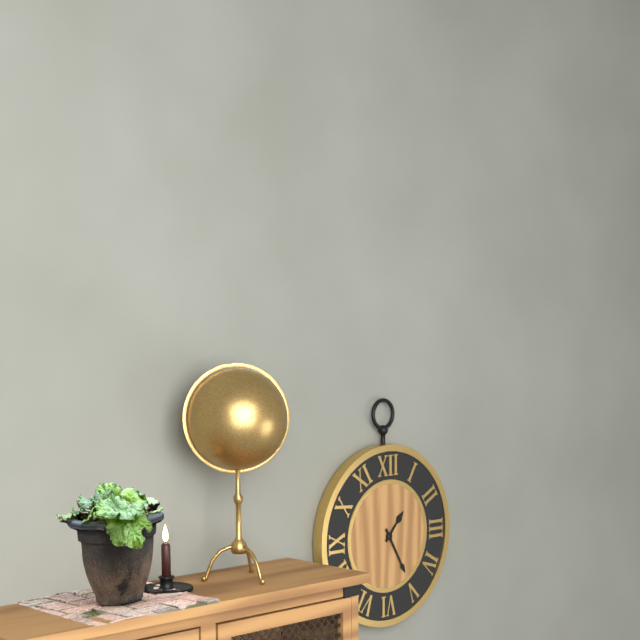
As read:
1:25
